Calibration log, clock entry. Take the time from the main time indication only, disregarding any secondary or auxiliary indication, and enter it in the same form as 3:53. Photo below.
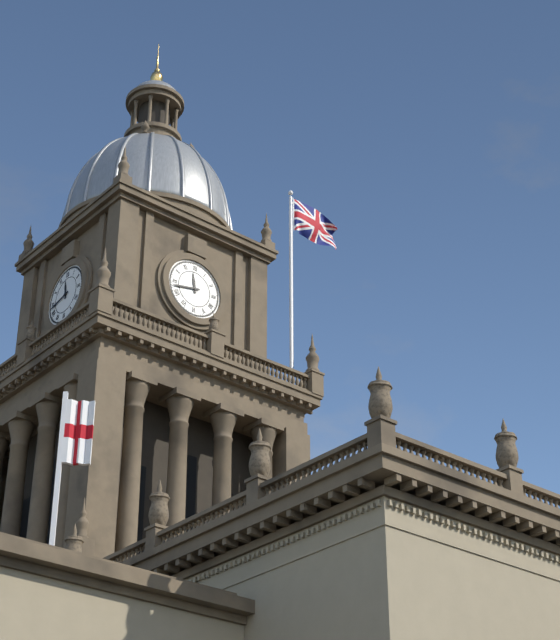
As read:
11:43
